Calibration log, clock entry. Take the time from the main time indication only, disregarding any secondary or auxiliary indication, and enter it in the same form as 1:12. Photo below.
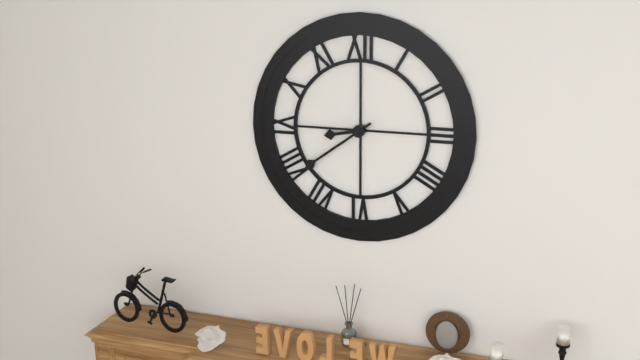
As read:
8:39
